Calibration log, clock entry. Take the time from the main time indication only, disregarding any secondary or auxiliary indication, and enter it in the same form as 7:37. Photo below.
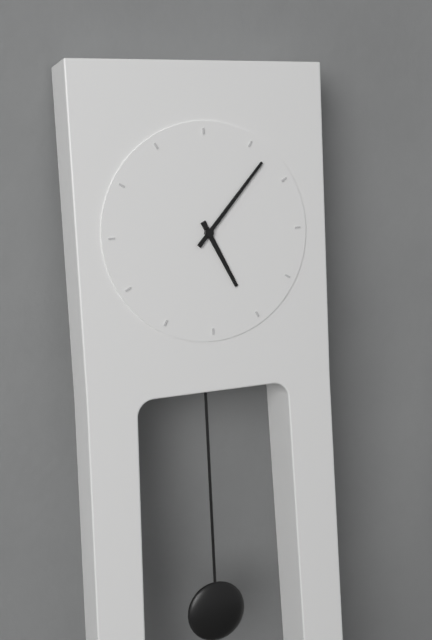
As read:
5:07
